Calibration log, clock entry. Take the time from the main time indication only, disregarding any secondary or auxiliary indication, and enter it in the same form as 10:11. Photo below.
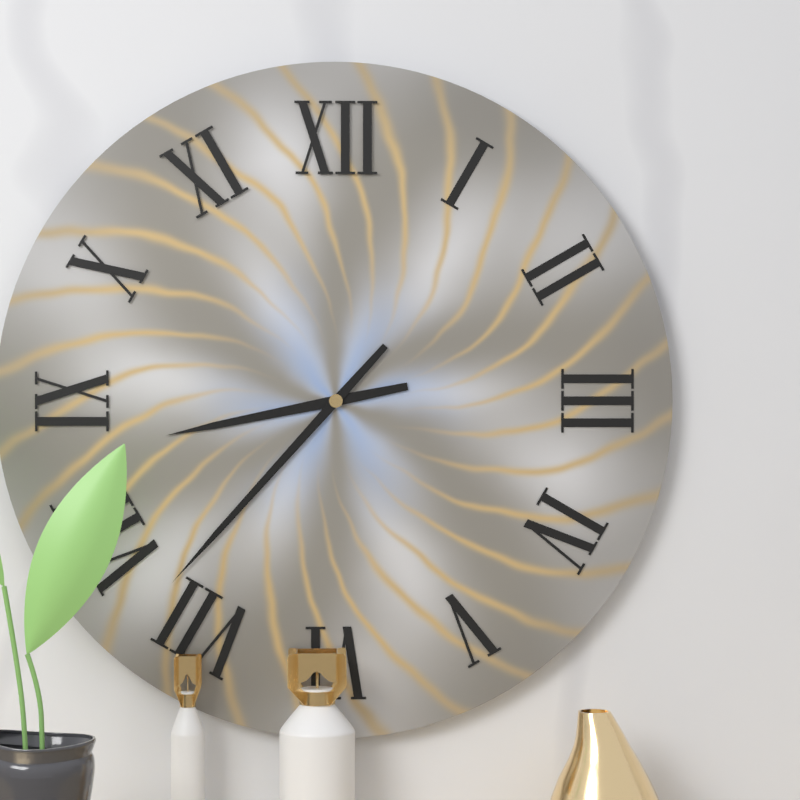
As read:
8:37
